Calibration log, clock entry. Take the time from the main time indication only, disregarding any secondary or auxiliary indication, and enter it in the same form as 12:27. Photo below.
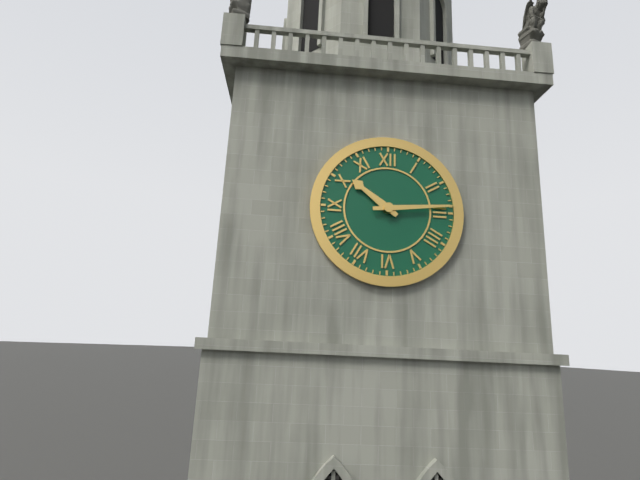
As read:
10:14
